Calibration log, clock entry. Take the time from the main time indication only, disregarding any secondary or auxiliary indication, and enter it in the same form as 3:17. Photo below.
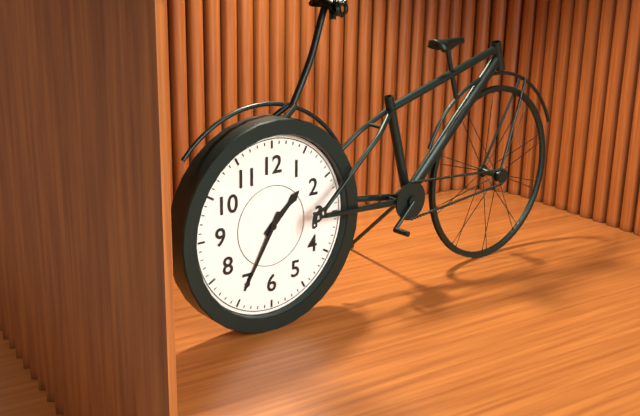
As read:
1:35
